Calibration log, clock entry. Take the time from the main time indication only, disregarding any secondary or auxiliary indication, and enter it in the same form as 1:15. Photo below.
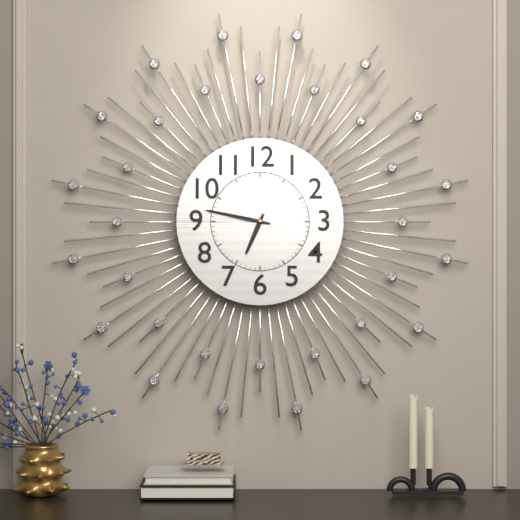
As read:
6:47
